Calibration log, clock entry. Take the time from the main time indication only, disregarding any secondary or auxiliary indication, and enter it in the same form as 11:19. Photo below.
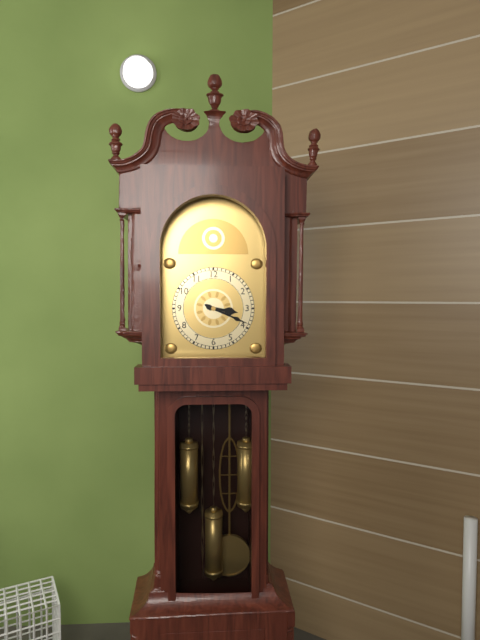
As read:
3:19
